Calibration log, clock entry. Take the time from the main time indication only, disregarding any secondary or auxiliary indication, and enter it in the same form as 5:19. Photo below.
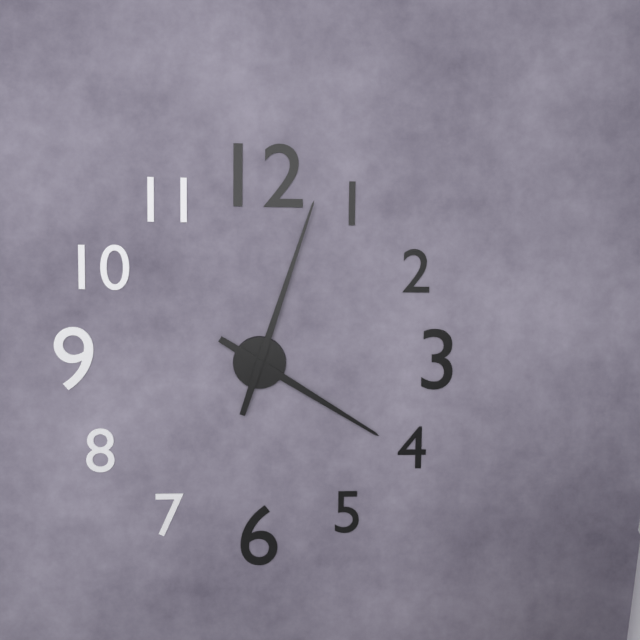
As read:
4:03
